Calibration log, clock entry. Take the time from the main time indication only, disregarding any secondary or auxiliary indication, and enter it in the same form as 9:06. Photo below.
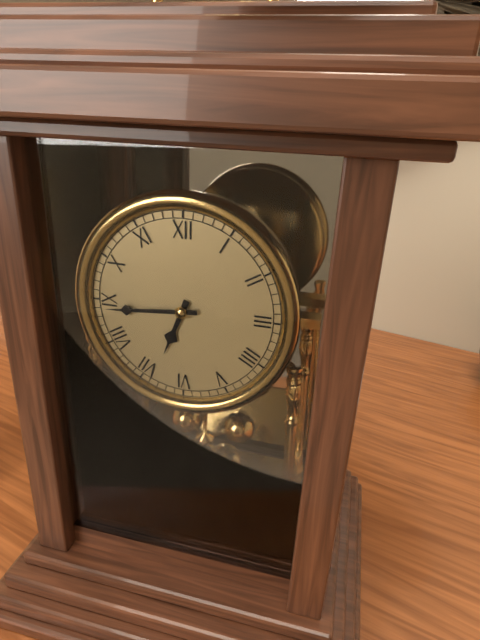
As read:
6:44
